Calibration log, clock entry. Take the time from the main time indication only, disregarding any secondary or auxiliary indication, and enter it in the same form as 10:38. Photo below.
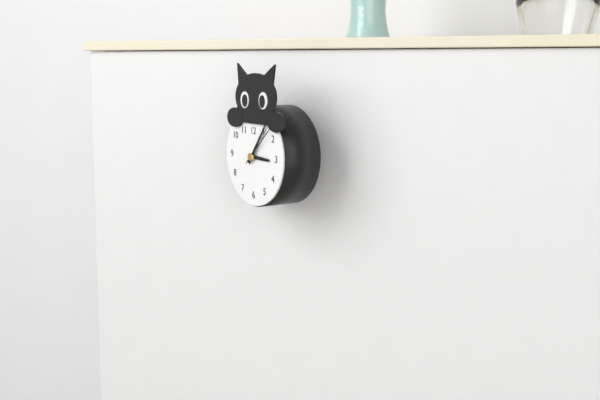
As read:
3:06
